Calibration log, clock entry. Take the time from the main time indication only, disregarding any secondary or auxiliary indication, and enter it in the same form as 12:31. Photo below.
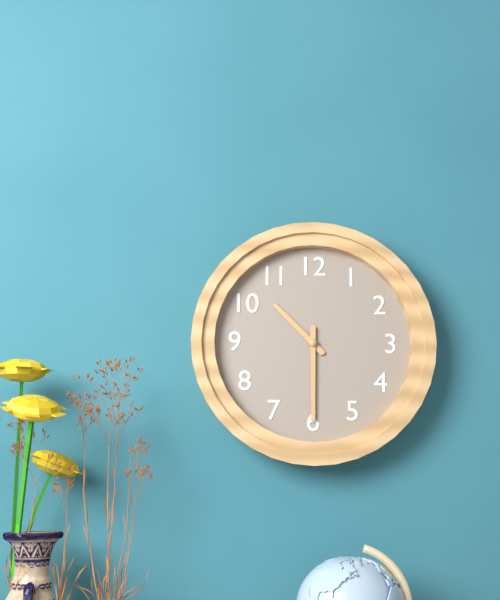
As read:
10:30
